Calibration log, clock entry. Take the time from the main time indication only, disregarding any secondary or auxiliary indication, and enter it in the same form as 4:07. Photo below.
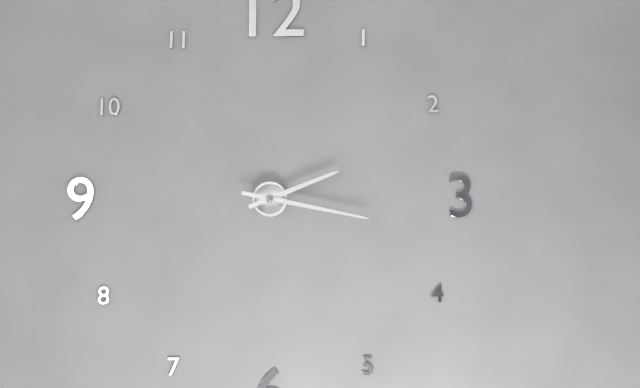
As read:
2:17
